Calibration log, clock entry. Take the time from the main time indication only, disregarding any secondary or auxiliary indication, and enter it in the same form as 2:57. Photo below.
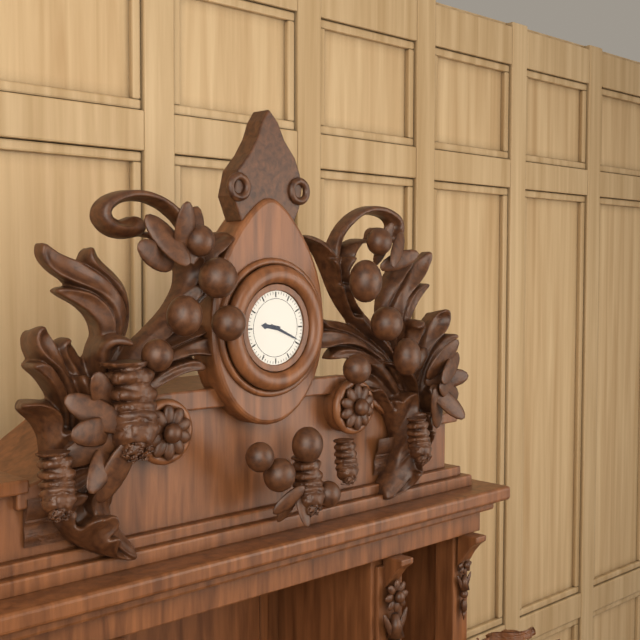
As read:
9:19
